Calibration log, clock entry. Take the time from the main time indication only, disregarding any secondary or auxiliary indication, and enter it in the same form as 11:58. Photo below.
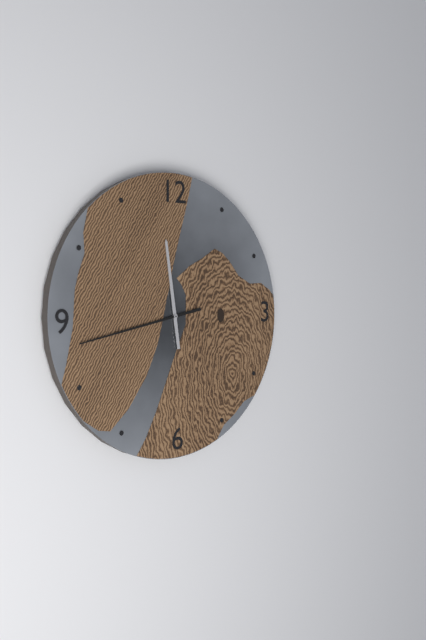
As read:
11:43
